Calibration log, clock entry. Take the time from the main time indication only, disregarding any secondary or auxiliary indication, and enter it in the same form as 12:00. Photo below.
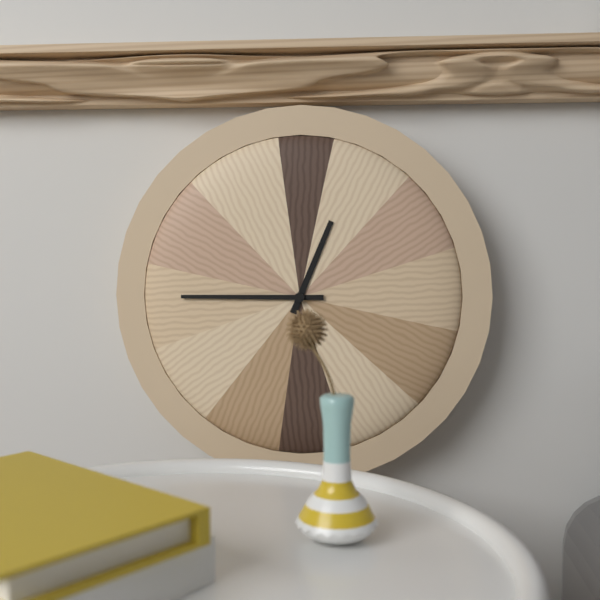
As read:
12:45
